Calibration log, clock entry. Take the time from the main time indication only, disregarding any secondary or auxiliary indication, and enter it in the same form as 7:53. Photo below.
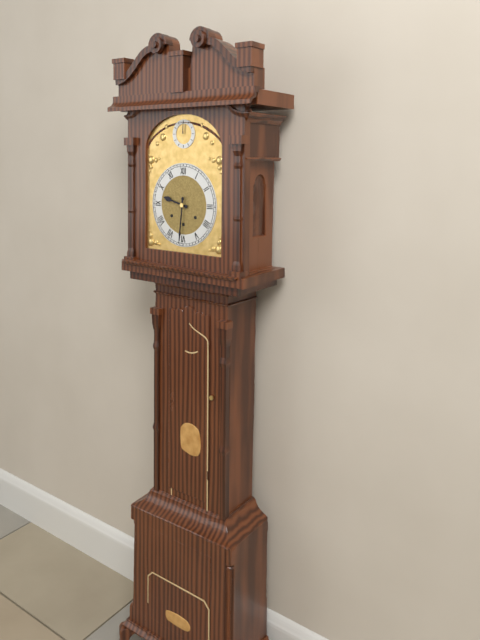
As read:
9:31
